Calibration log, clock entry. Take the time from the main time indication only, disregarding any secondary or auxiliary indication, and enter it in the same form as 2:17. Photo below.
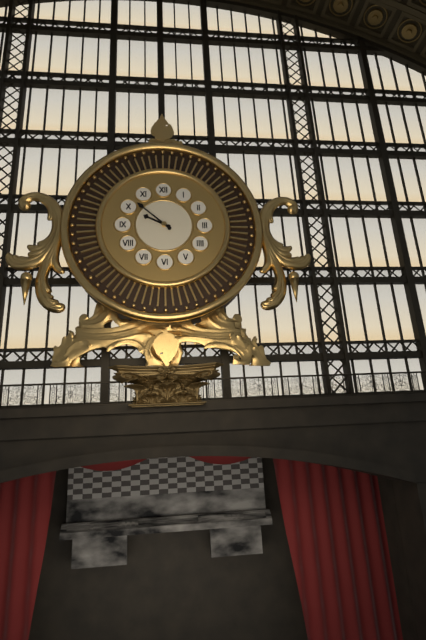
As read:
9:52
